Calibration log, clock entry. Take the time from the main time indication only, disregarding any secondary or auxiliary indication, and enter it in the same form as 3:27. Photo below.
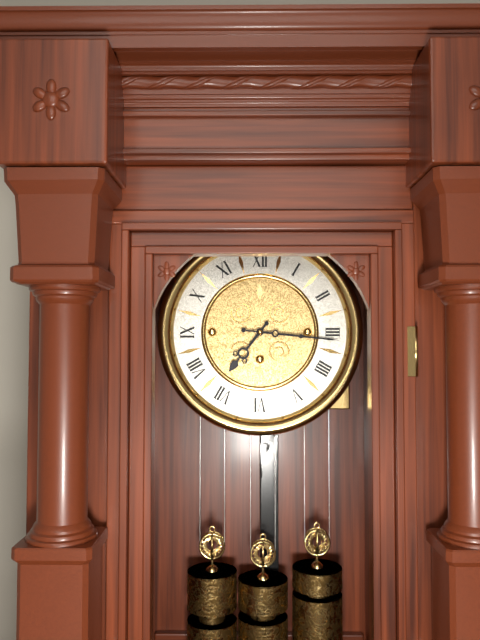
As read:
7:16
